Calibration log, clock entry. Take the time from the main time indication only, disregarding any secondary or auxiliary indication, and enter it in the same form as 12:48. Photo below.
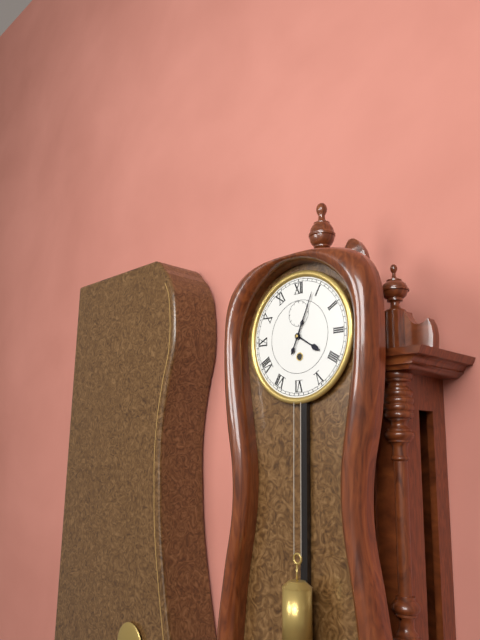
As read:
4:04
